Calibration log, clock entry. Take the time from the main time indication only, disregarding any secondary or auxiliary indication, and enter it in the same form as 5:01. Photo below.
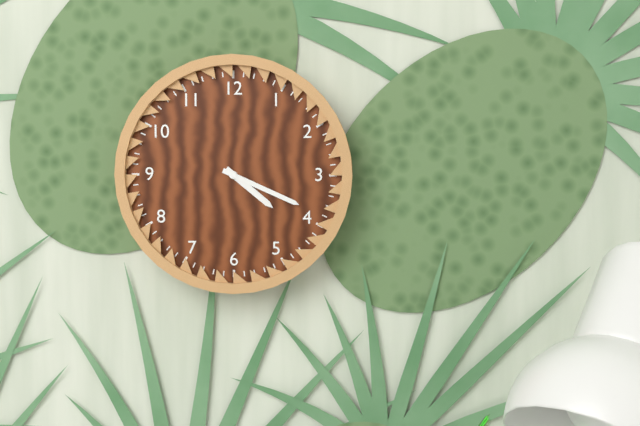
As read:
4:19
